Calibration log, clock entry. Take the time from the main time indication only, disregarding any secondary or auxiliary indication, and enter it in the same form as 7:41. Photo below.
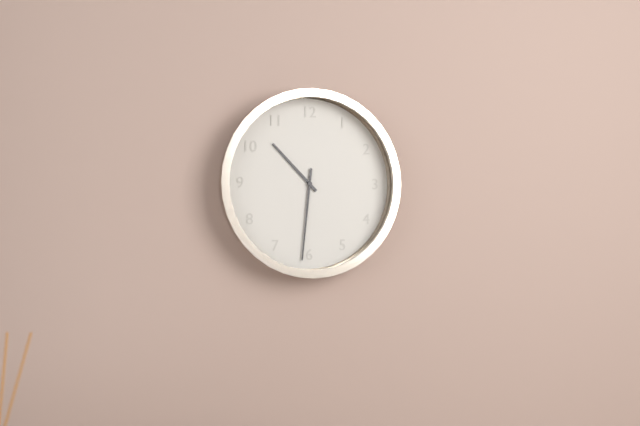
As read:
10:31
